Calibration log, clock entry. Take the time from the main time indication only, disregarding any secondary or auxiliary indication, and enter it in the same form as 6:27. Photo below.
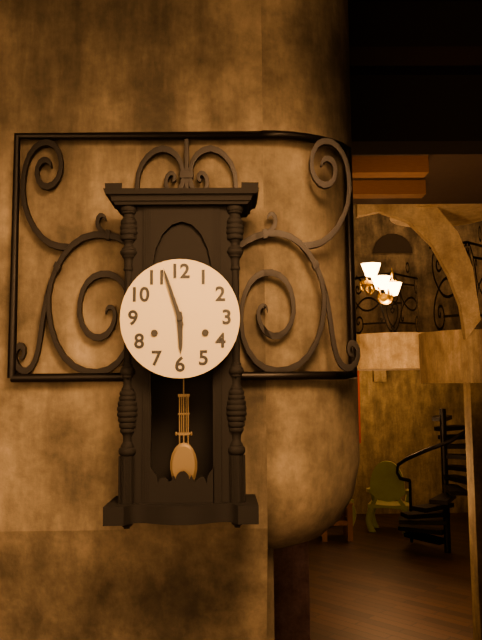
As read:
5:57
